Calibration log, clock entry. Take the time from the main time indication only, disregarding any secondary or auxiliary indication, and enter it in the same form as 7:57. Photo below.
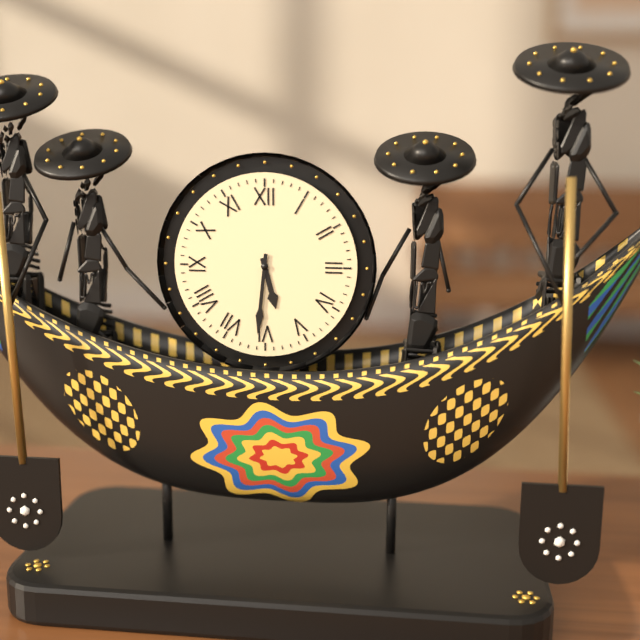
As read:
5:31
